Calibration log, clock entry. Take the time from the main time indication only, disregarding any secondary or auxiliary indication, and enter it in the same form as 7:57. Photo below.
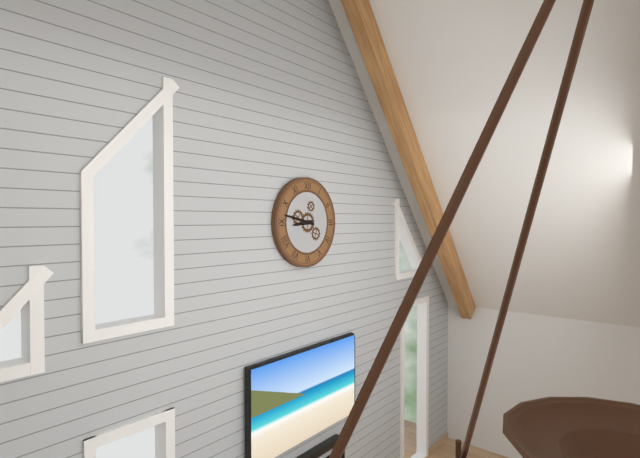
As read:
8:47
